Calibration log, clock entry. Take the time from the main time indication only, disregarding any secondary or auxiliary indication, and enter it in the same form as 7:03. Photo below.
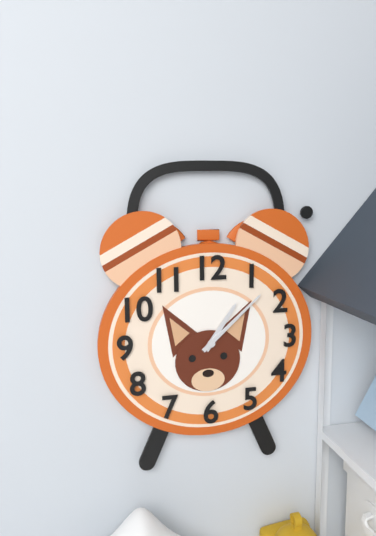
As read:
1:08
